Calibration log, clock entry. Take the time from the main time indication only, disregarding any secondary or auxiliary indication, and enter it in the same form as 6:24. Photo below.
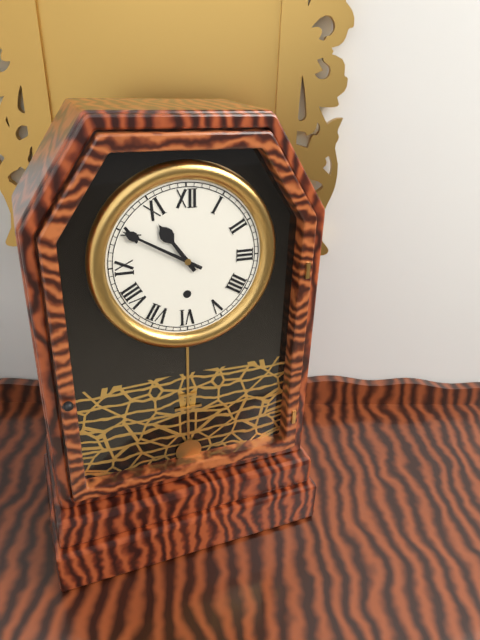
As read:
10:50
